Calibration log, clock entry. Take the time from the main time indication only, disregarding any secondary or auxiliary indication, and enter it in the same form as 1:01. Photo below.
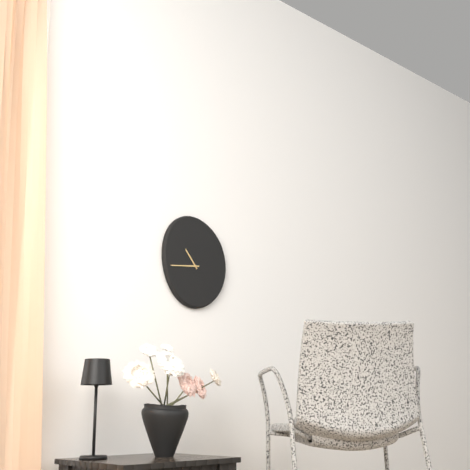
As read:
10:44
